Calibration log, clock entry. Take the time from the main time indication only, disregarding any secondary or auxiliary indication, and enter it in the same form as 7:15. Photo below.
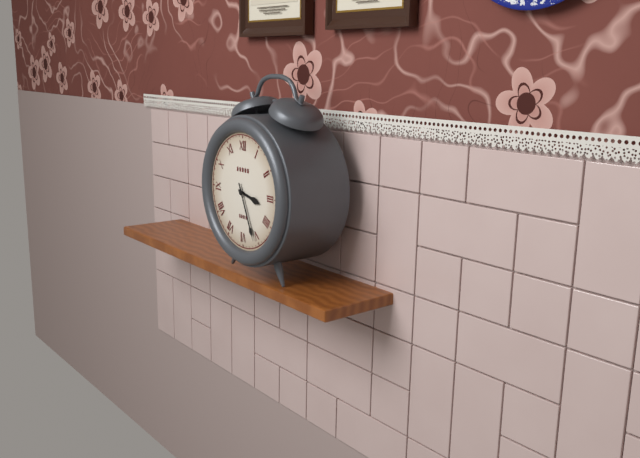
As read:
3:26
